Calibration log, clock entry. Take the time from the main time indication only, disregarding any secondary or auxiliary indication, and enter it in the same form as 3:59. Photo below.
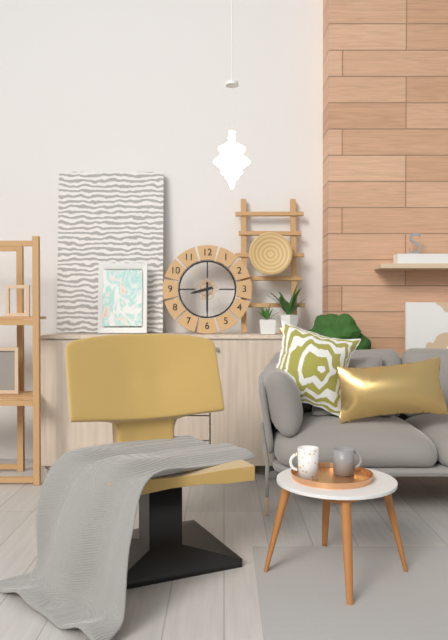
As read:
8:30
